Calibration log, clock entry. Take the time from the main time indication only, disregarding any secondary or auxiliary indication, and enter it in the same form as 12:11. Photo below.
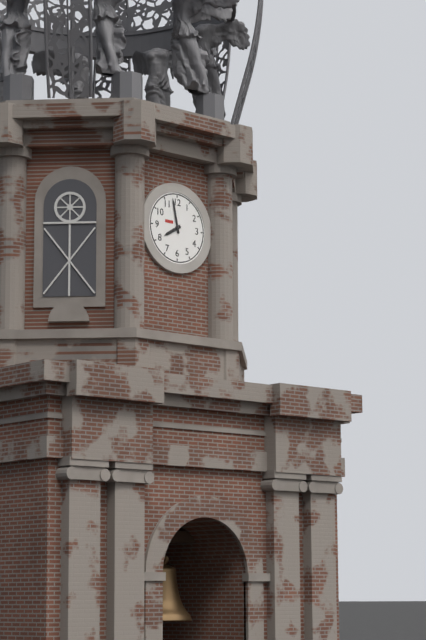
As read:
7:58
